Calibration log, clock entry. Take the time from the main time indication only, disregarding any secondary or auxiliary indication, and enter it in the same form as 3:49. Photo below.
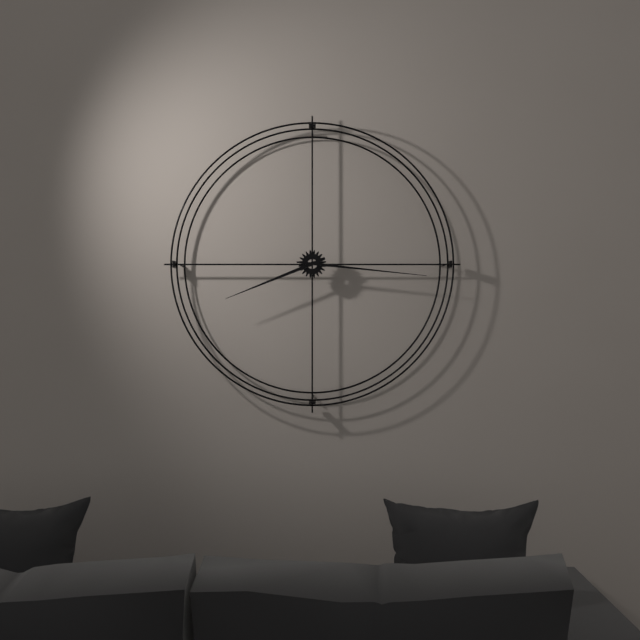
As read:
8:16
